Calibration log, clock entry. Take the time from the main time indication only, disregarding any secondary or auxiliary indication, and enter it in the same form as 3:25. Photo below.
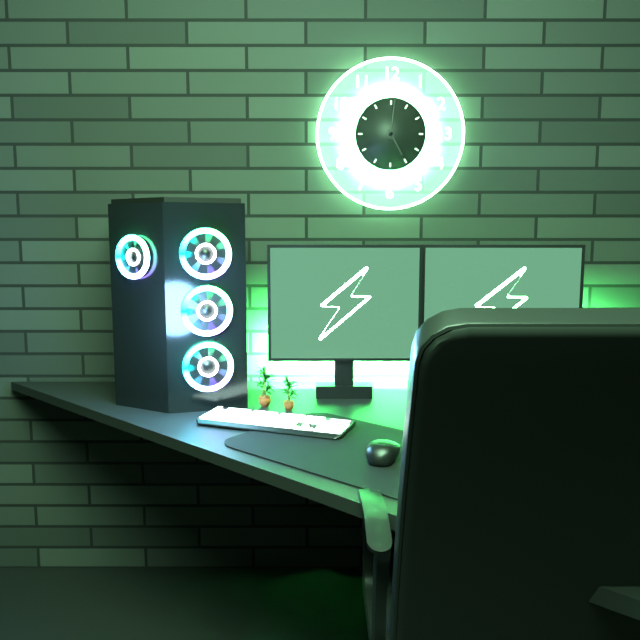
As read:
5:01
